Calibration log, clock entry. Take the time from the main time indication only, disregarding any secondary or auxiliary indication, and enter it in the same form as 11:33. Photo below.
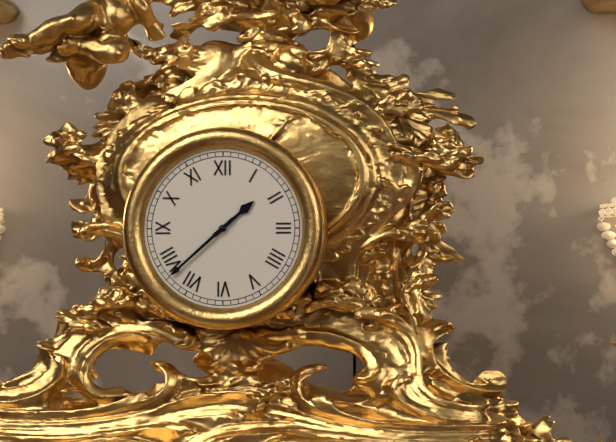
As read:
1:38
